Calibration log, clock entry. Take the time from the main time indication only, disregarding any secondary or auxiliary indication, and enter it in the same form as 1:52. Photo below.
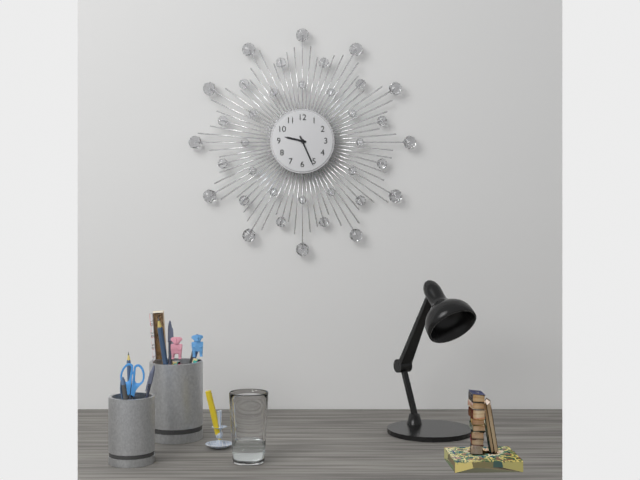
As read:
9:26
